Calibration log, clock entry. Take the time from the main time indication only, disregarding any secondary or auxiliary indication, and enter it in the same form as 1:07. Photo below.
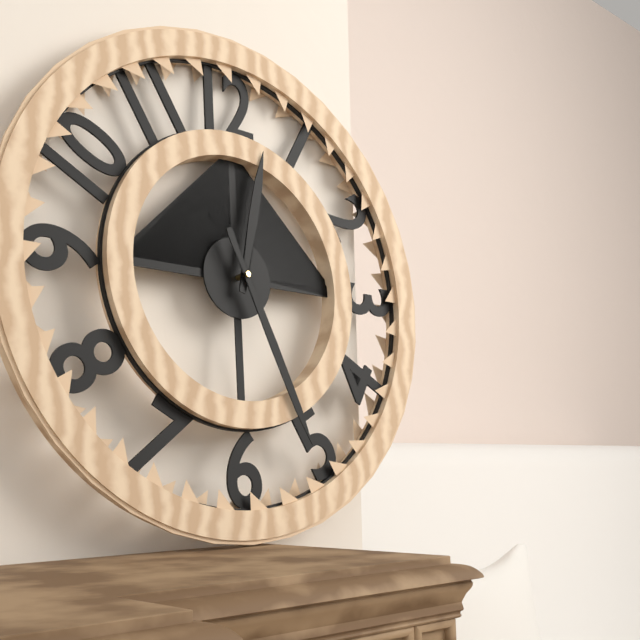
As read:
12:26
